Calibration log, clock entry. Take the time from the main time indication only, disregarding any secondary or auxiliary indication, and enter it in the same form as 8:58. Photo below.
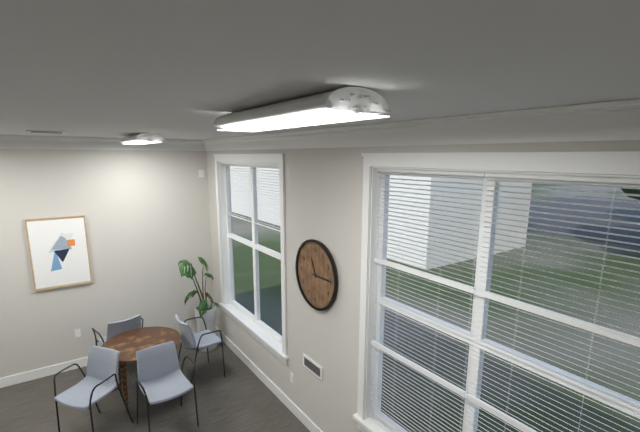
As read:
11:15
